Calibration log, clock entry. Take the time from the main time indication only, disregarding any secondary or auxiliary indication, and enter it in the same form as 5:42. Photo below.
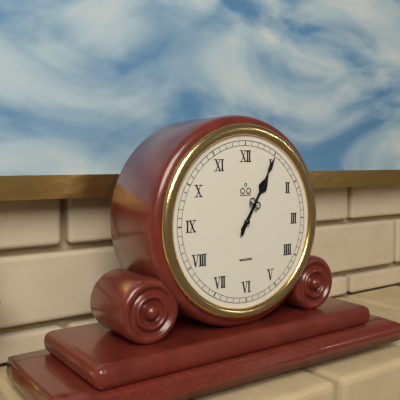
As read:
1:05
